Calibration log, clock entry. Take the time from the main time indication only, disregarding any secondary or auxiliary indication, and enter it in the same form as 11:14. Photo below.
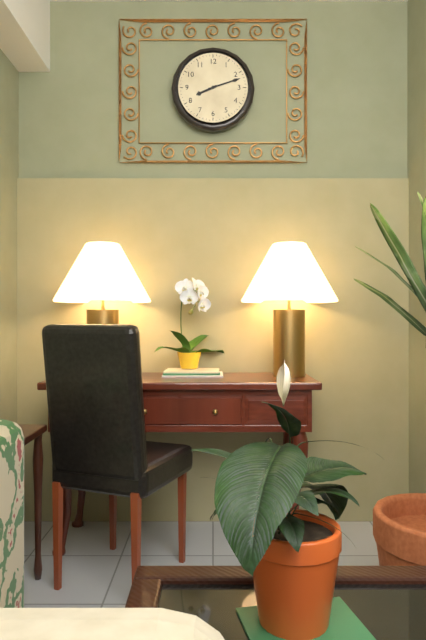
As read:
8:12
